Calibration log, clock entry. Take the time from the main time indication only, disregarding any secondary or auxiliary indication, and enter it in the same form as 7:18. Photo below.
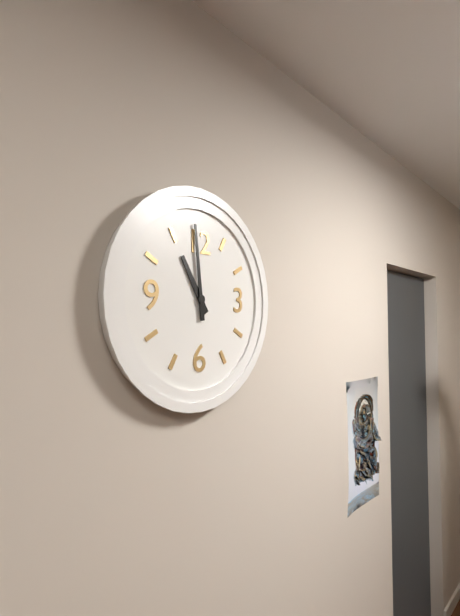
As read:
10:59
